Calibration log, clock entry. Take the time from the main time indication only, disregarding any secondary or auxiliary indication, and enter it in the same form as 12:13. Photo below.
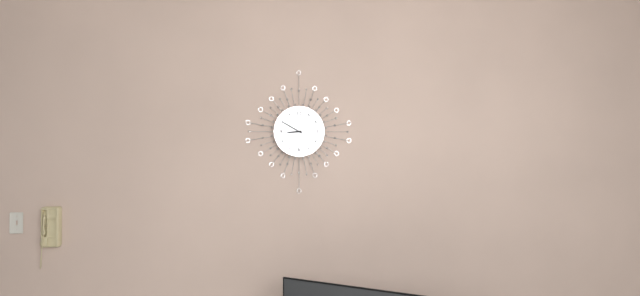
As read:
8:50
